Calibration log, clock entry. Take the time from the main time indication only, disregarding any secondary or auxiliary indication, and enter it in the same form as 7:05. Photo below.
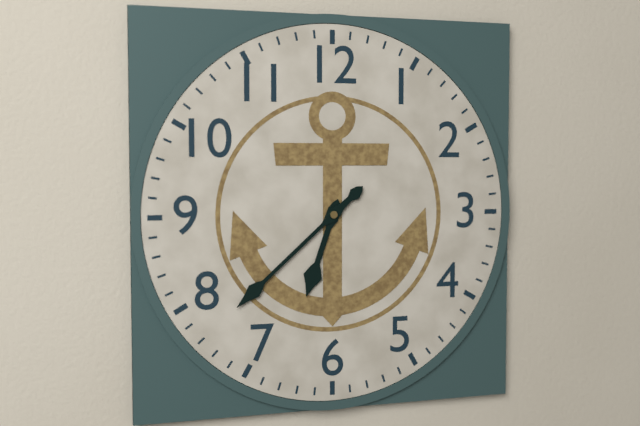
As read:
6:38
